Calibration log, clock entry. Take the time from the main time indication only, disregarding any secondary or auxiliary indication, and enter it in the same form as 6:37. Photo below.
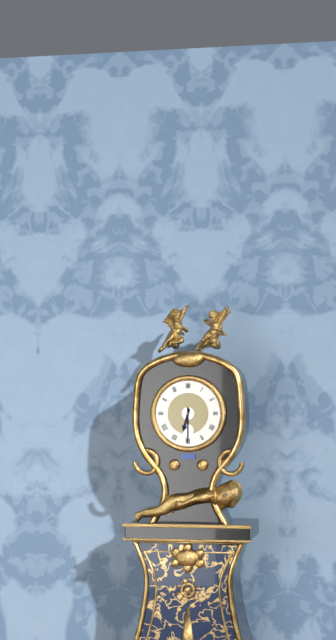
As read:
6:30
